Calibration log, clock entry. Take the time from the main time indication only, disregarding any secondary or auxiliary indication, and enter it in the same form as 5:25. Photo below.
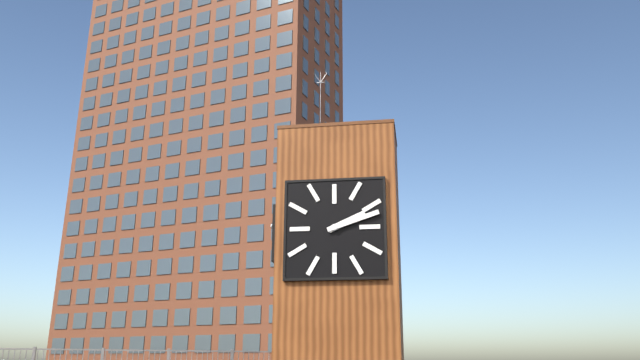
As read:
2:12
